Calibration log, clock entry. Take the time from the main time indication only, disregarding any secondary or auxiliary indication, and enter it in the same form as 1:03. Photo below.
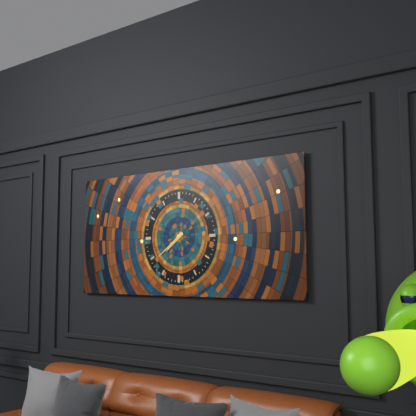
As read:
7:39
